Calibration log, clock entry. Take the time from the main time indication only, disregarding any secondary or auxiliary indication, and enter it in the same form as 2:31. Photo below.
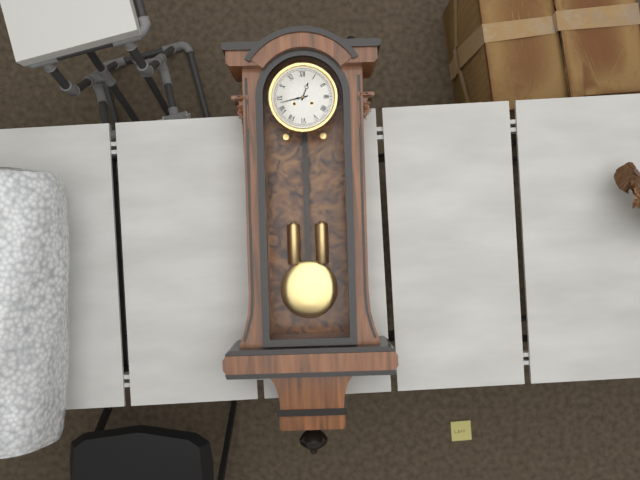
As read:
12:43
